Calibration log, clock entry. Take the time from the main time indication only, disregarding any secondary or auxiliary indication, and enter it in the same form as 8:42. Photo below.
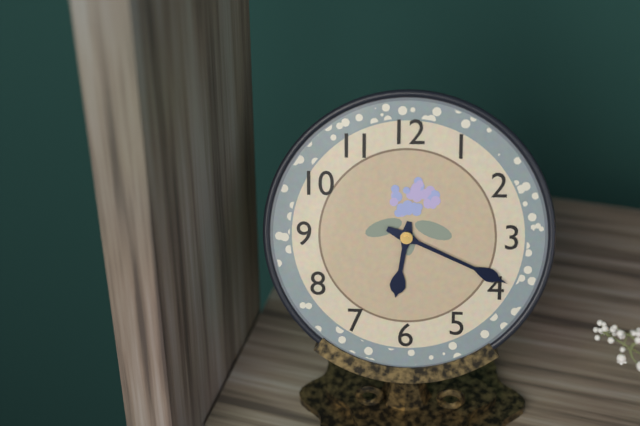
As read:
6:19
